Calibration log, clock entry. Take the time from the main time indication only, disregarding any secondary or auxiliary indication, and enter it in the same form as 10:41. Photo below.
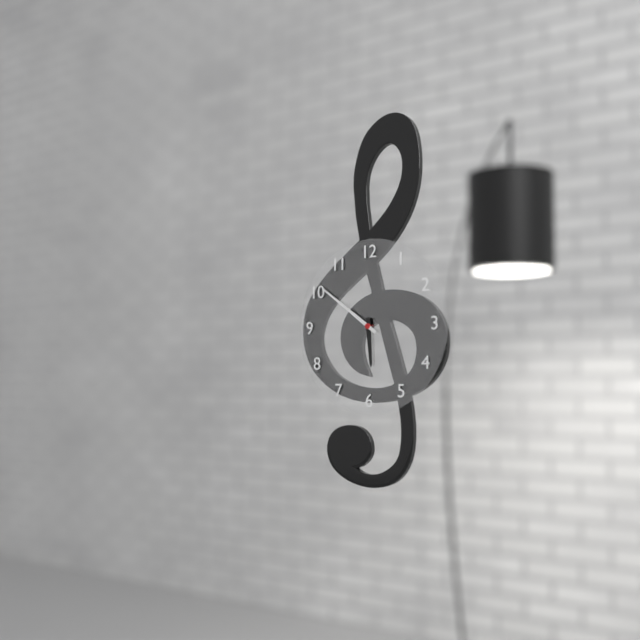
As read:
5:51
